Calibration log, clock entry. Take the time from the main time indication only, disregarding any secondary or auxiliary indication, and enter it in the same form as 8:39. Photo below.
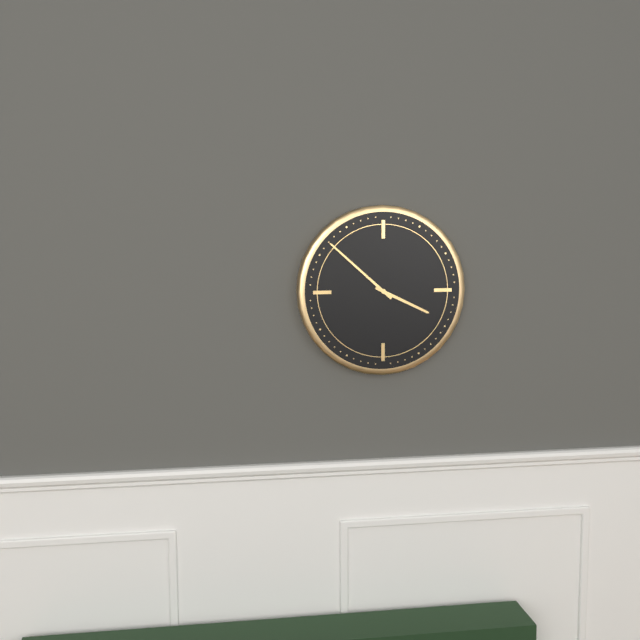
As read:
3:52
